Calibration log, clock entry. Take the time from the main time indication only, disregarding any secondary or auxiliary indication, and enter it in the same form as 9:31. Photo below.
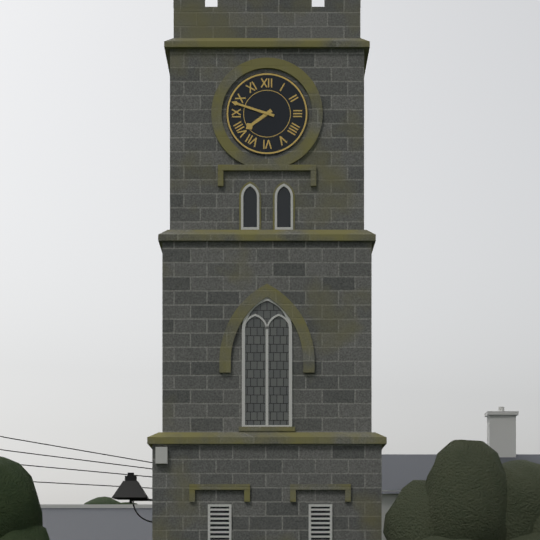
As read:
7:48
